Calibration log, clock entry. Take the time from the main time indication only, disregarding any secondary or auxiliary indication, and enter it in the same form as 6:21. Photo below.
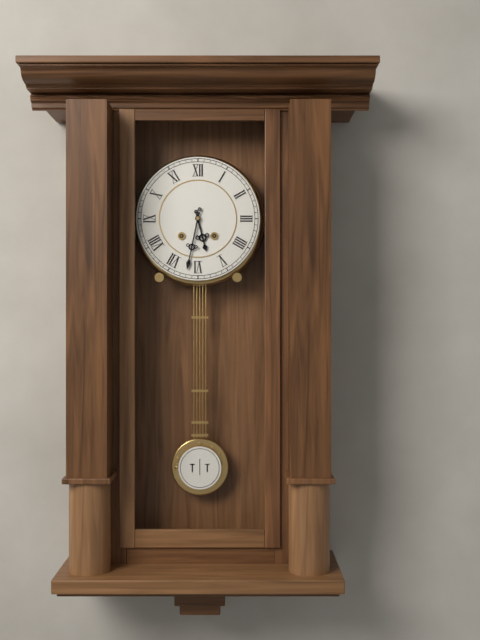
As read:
5:32
